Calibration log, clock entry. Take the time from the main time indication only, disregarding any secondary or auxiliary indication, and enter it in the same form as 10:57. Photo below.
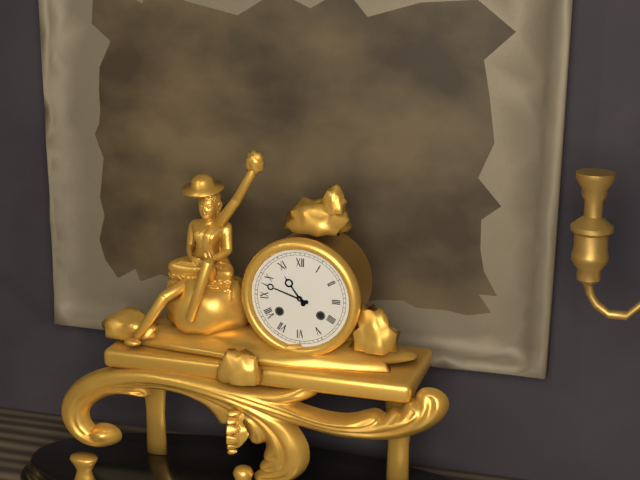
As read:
10:48
